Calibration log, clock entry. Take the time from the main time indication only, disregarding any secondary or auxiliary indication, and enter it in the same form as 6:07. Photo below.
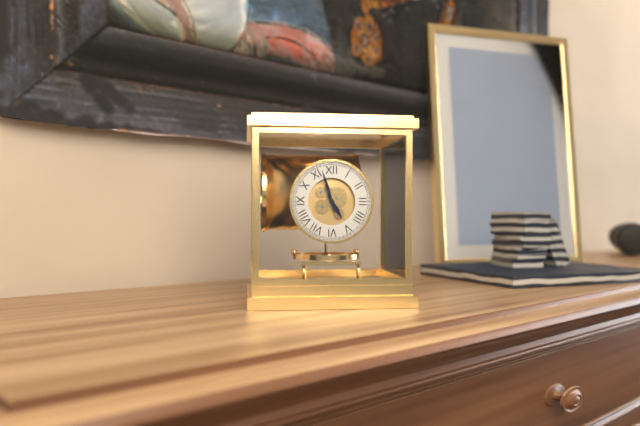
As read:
4:57
